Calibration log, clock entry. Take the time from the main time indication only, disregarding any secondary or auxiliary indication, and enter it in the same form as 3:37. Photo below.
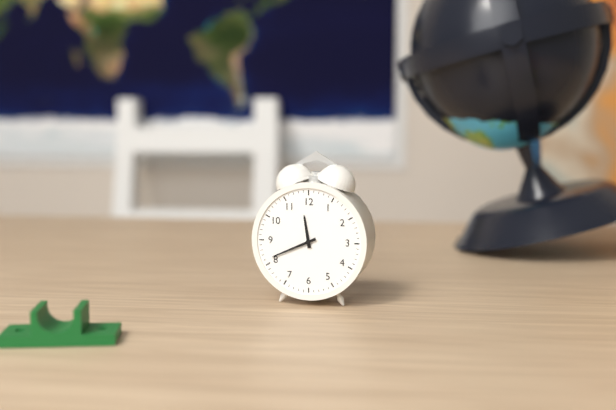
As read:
11:41
